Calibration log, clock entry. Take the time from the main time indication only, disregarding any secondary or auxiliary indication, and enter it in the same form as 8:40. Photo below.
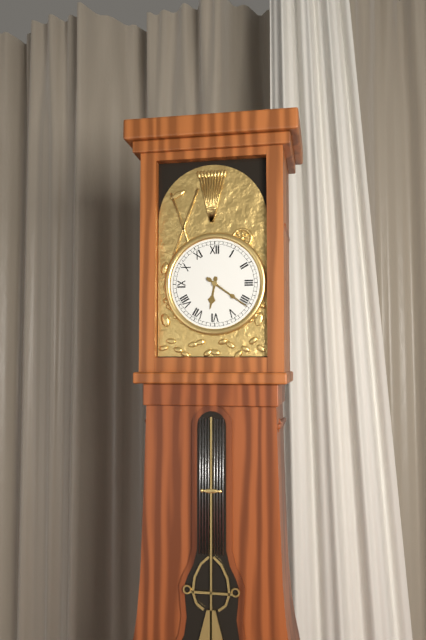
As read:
6:21
